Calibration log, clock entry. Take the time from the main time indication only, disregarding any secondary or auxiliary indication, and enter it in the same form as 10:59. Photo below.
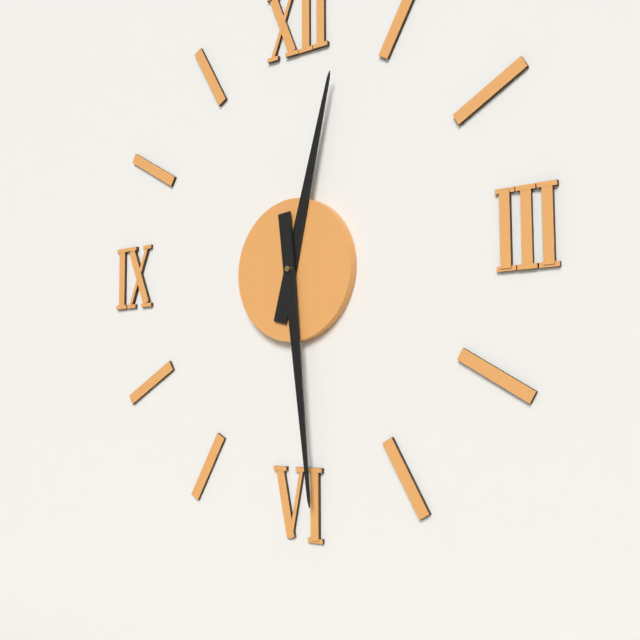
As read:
12:29
